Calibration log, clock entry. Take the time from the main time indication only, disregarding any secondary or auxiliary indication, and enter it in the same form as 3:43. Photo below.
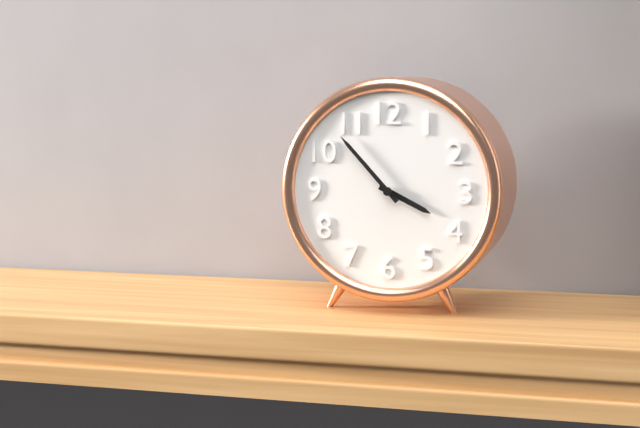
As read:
3:53
